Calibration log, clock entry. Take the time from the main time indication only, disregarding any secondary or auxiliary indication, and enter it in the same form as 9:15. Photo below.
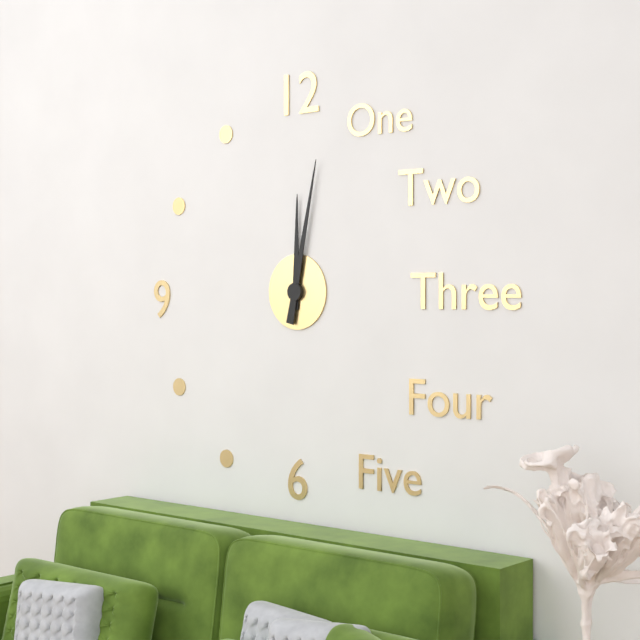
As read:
12:02
